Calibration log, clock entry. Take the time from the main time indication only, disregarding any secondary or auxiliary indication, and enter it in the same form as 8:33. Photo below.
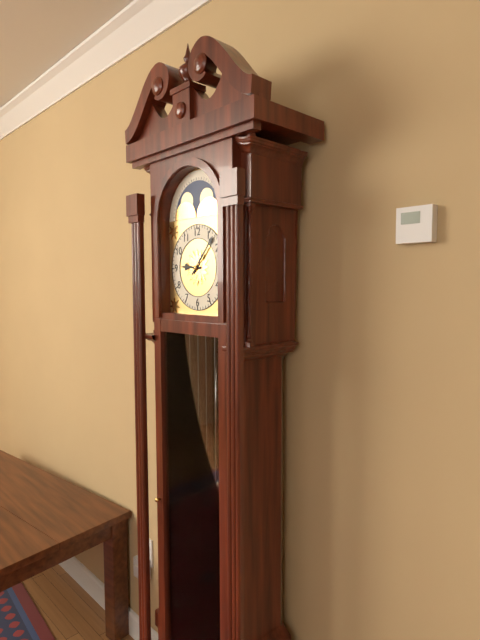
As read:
9:07
